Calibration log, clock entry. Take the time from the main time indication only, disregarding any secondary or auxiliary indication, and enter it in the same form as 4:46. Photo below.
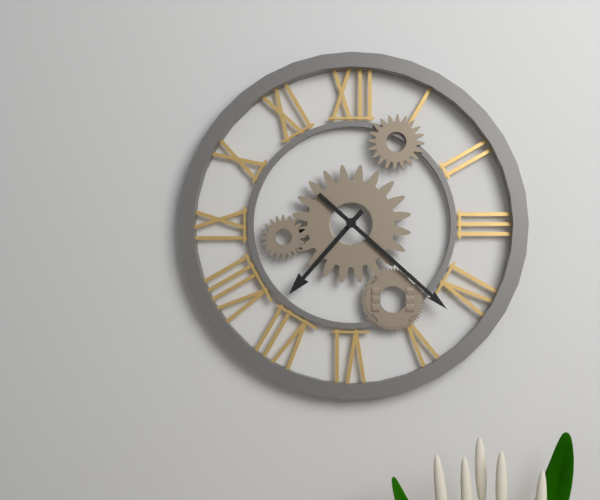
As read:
7:22
